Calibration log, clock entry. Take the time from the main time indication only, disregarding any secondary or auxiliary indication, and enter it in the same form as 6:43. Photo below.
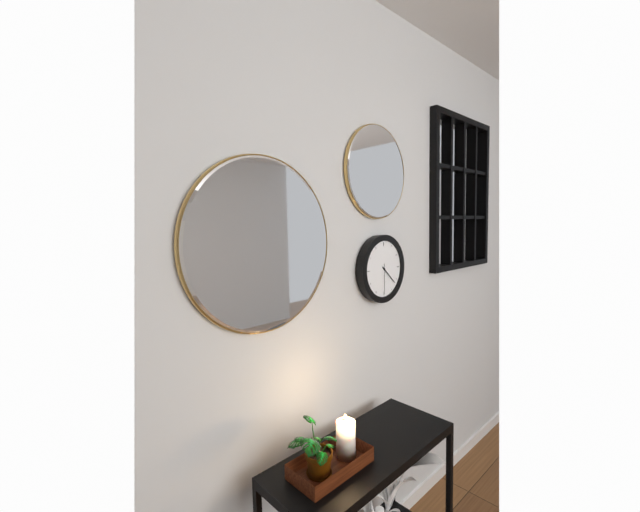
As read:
4:22
